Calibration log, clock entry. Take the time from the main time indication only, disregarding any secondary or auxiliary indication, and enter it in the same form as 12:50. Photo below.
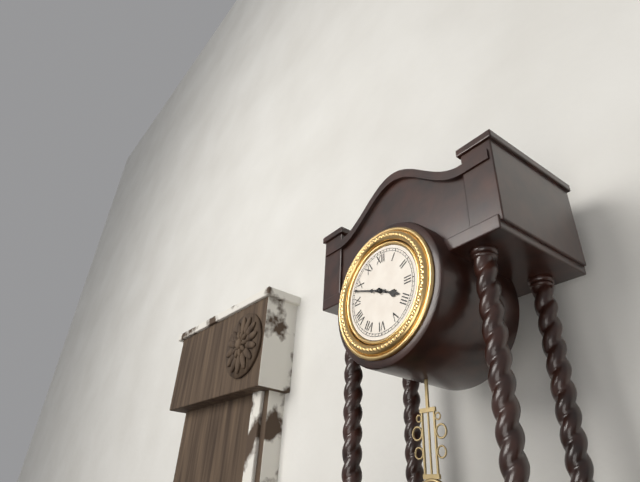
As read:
3:48
